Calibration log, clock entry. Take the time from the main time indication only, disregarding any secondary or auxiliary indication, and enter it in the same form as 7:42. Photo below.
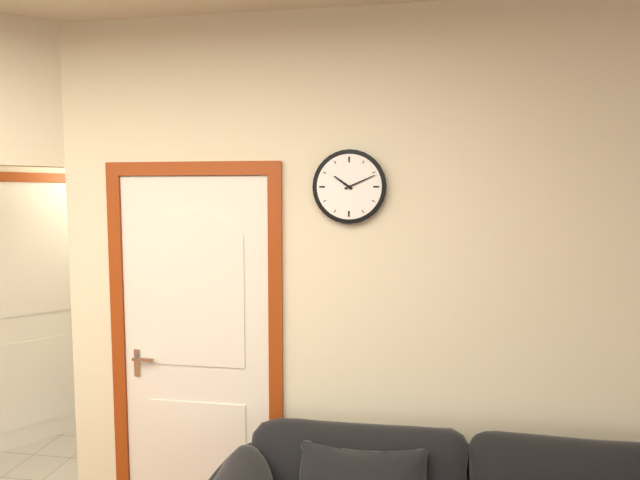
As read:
10:11
